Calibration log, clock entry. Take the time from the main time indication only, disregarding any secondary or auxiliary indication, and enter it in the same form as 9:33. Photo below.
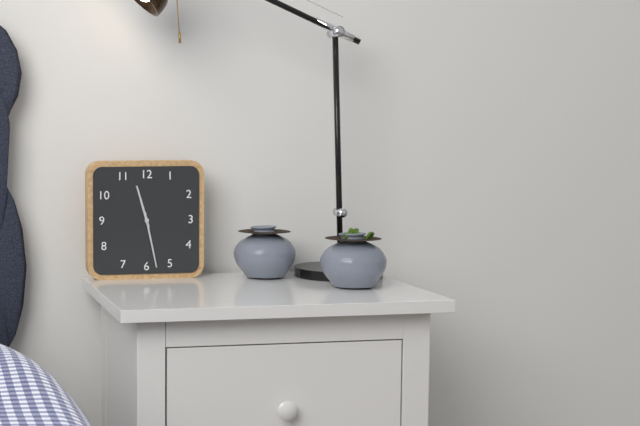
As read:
11:28
